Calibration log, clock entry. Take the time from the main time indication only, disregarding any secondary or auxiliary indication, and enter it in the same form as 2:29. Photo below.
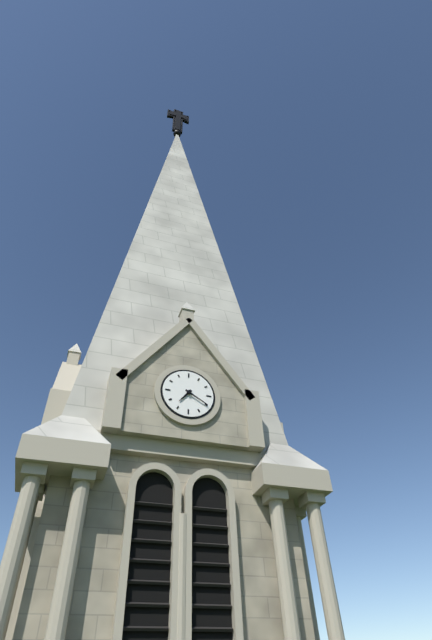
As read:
7:20
